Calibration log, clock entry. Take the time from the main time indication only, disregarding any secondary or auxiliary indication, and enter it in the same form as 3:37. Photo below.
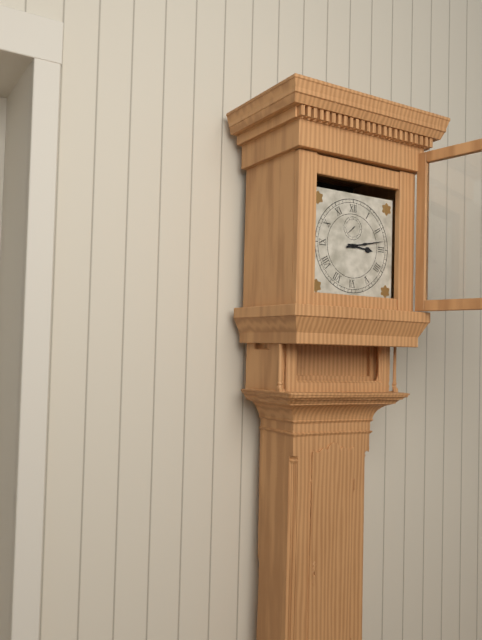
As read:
3:13
